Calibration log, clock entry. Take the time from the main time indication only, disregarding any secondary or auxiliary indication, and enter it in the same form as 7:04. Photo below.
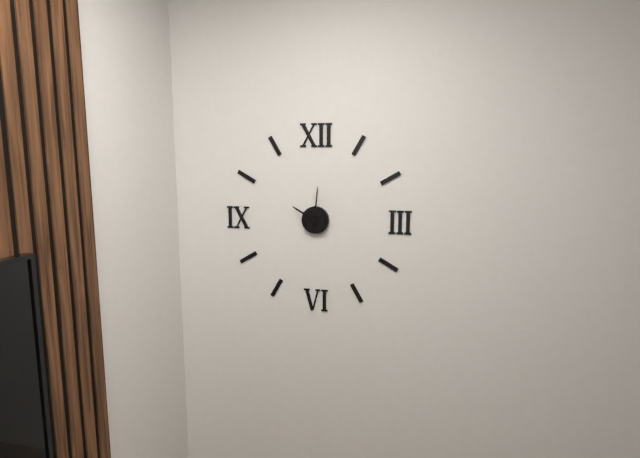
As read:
10:01
